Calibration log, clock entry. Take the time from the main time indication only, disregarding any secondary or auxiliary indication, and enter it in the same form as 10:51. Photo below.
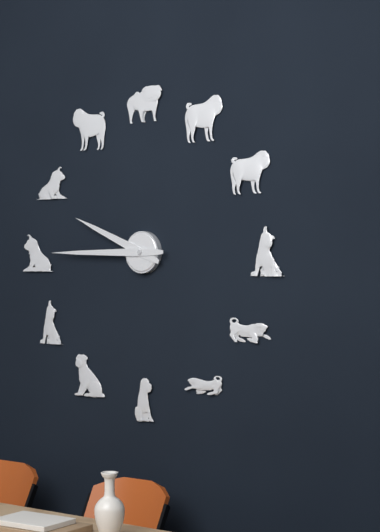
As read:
9:45
